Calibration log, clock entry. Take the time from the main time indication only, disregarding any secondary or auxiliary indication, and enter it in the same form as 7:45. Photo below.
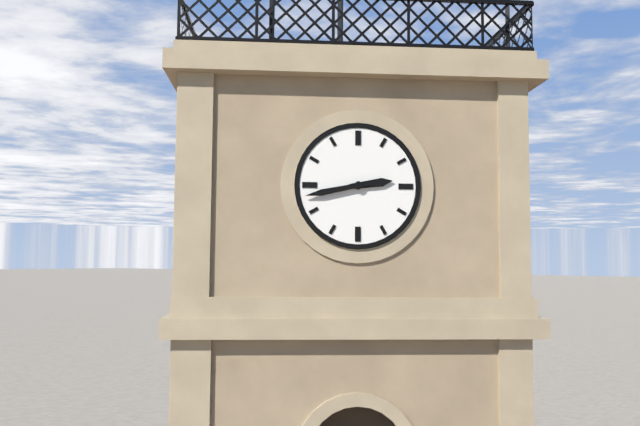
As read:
2:43
